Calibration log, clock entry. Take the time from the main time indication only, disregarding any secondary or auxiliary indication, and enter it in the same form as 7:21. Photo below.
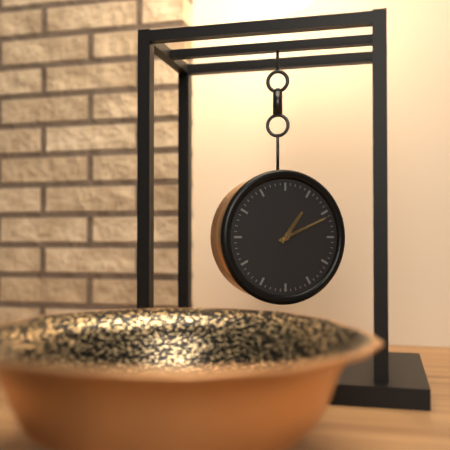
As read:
1:11
